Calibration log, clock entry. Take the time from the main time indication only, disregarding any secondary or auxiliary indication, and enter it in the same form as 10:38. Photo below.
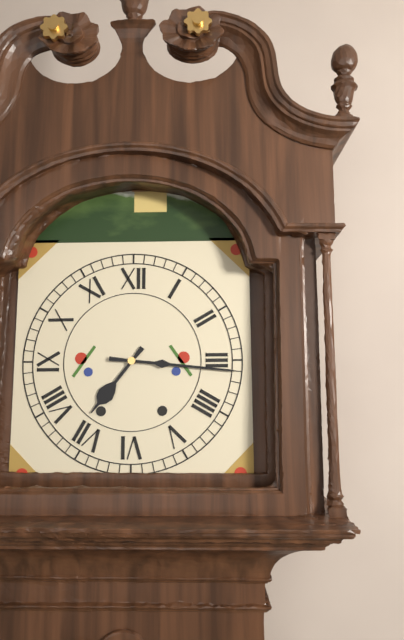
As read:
7:16
